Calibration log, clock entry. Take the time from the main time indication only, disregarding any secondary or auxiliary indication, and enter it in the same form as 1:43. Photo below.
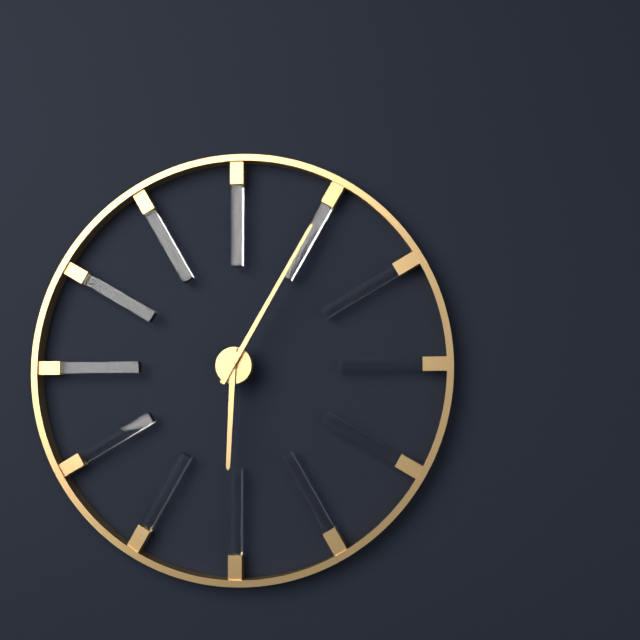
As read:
6:05
